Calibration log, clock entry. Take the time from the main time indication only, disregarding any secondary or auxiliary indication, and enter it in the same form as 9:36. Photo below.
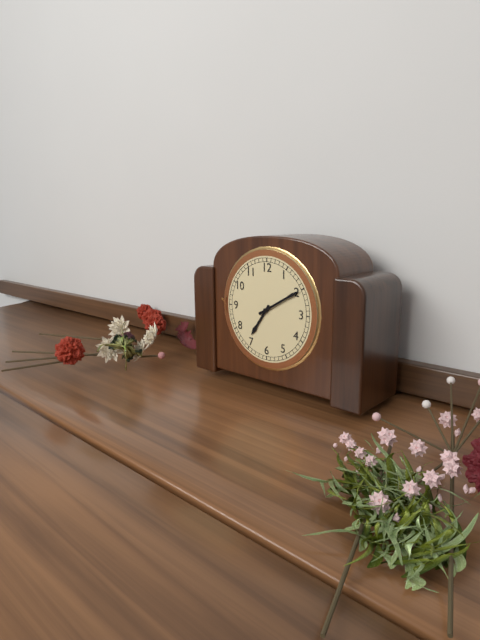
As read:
7:10
